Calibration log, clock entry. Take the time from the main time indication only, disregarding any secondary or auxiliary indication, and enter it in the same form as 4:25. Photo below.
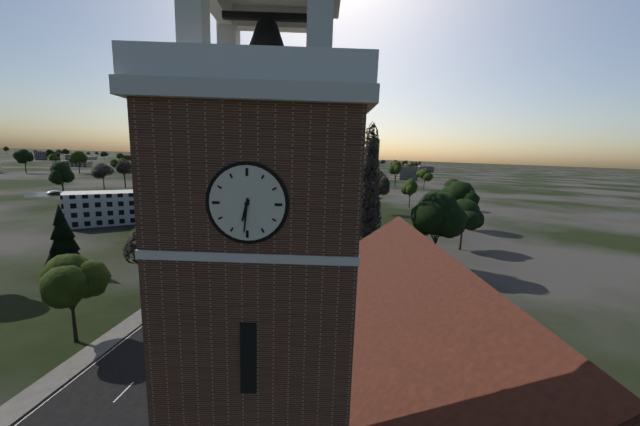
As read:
6:31
